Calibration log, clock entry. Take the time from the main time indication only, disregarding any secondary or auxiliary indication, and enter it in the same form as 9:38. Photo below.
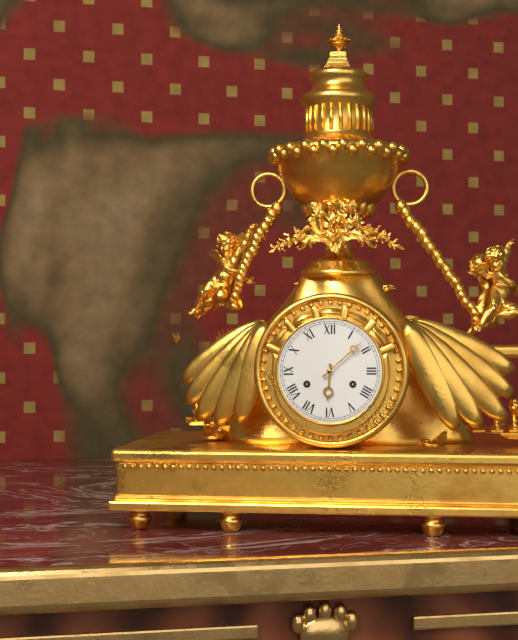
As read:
6:08
